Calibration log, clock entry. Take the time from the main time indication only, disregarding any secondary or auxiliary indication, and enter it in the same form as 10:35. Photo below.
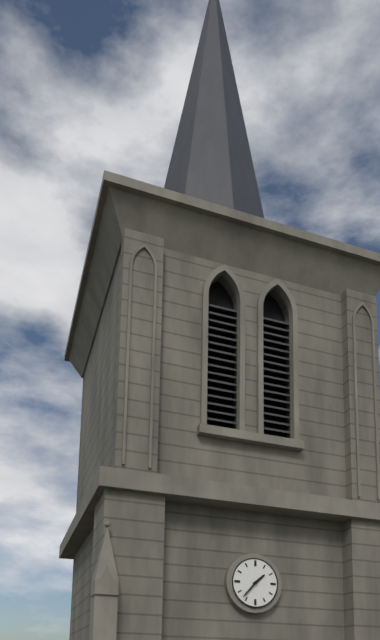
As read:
1:37
